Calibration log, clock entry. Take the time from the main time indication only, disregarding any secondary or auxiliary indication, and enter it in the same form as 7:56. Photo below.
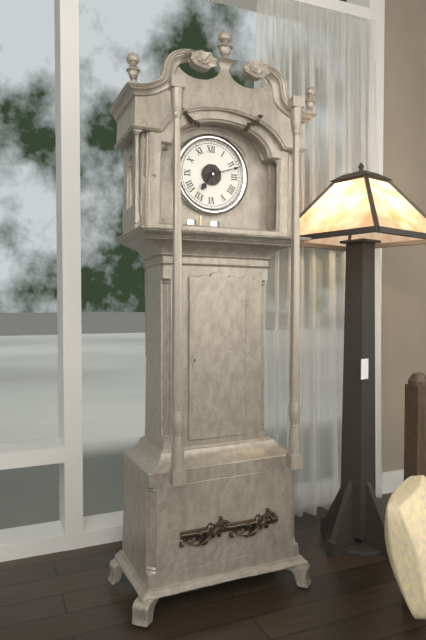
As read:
7:12
